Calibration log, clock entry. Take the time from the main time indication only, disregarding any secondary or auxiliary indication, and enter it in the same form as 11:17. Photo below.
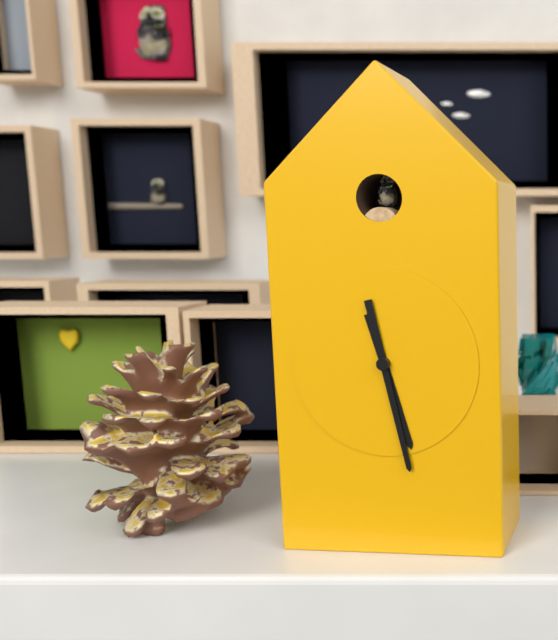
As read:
5:28
